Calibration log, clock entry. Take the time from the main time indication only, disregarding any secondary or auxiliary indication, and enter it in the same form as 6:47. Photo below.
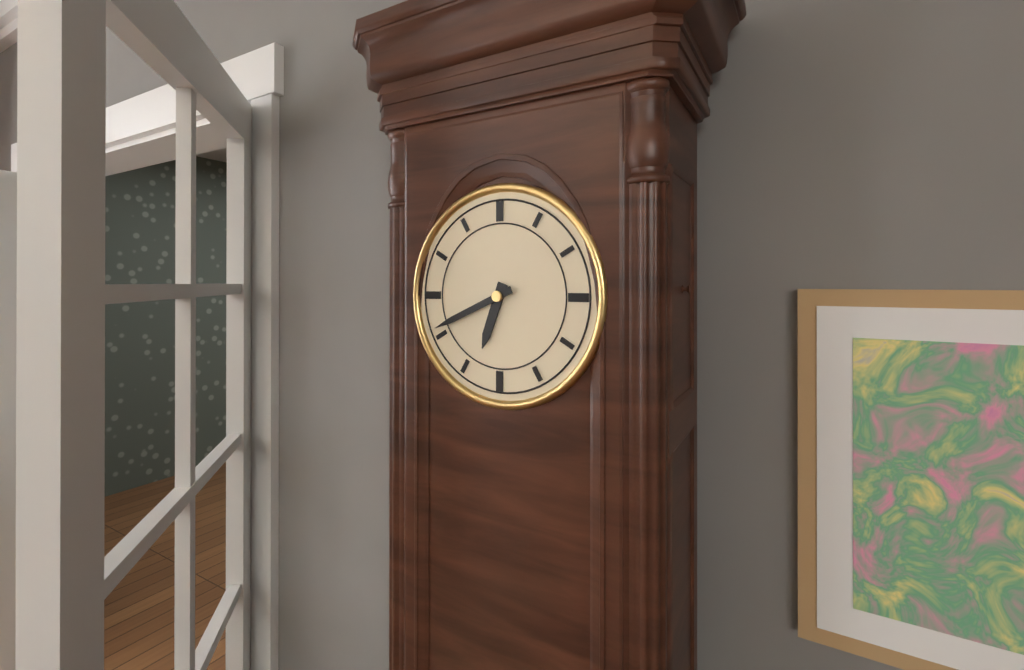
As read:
6:41
